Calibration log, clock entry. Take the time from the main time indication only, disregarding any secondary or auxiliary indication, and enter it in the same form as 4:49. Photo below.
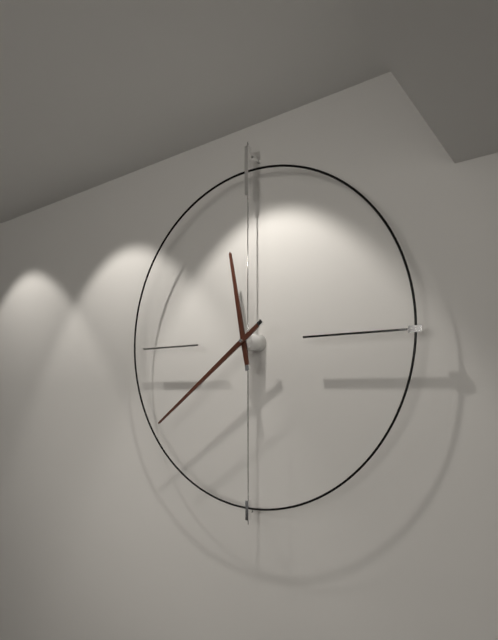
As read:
11:39
